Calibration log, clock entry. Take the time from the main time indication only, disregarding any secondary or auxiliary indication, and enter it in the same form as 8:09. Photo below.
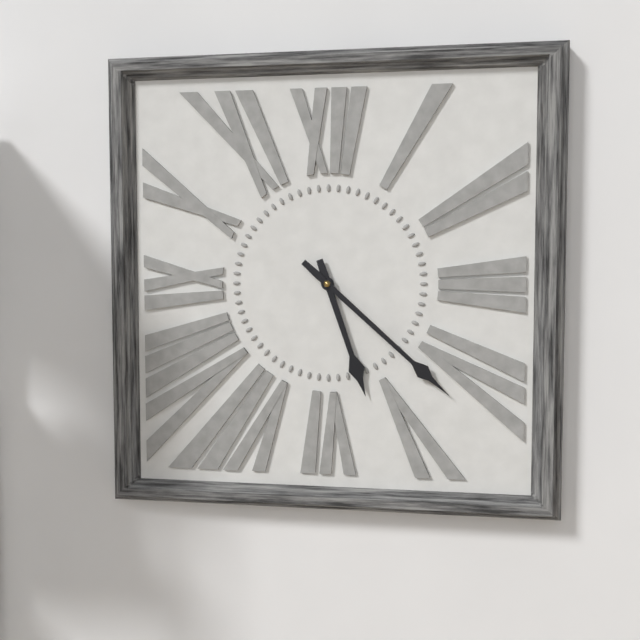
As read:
5:22
